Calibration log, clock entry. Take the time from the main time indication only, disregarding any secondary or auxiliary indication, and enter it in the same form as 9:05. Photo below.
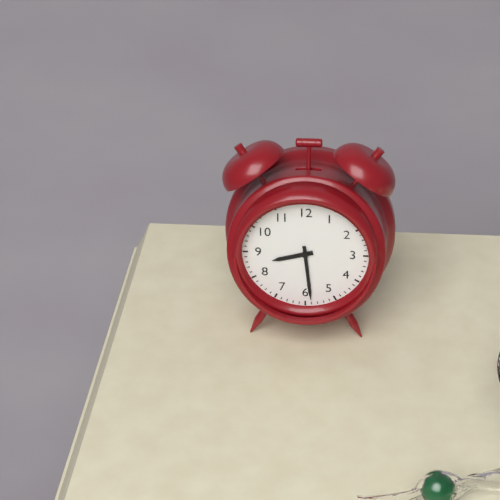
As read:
8:29
